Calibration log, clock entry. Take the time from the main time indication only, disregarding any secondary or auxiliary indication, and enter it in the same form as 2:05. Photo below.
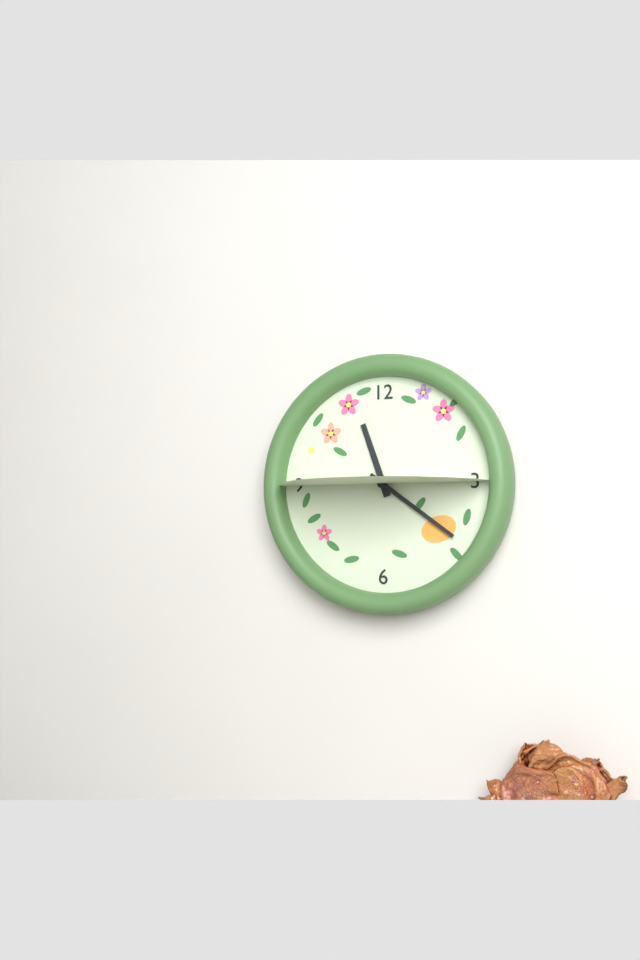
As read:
11:21
